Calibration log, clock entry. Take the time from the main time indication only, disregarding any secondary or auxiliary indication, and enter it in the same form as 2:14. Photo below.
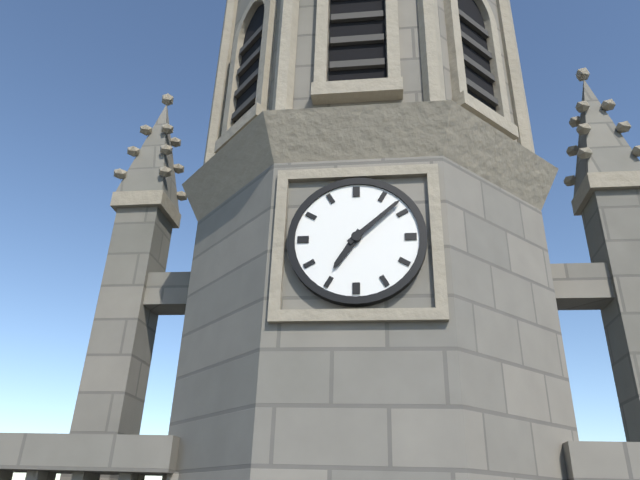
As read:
7:08
